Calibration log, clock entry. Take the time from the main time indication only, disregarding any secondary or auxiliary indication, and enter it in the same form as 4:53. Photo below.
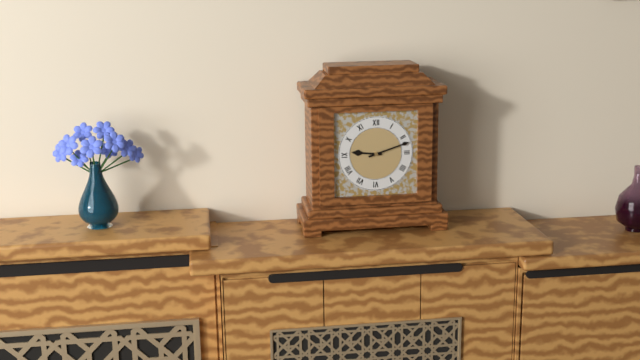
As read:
9:12
